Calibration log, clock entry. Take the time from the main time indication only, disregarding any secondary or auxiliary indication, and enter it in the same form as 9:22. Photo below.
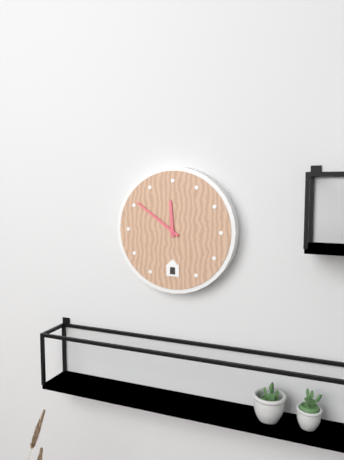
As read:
11:51
